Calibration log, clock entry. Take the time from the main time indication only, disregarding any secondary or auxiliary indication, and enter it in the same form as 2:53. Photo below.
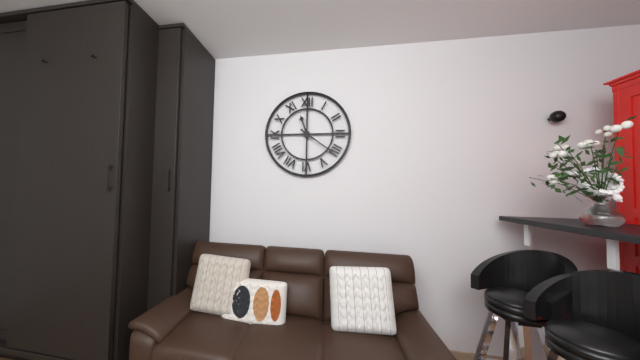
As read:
11:21
